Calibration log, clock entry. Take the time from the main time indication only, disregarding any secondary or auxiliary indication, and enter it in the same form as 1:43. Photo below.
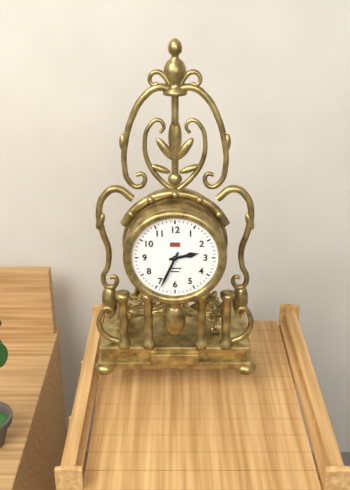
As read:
2:34
